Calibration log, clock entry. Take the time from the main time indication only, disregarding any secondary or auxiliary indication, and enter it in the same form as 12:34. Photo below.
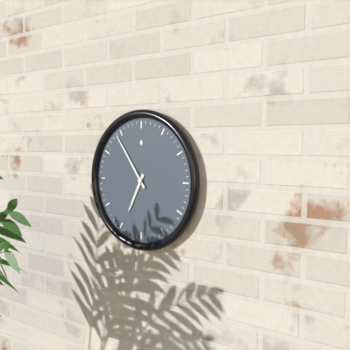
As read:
6:54
